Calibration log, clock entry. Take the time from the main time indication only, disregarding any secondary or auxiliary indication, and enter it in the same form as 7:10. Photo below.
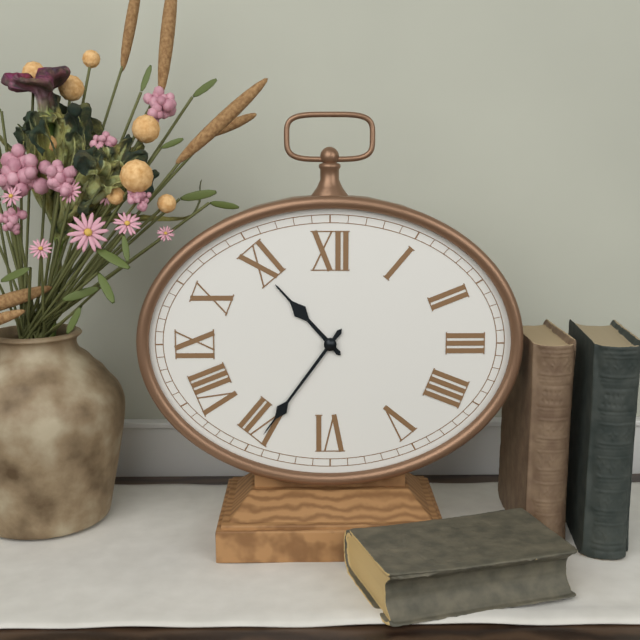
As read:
10:36
